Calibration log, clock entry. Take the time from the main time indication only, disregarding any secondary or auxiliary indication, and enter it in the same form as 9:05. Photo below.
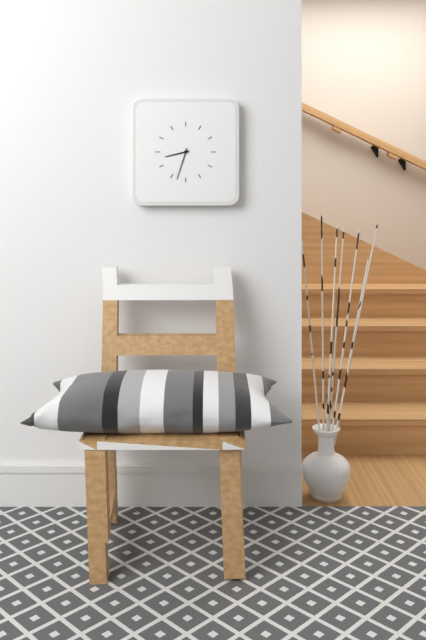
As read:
8:33
